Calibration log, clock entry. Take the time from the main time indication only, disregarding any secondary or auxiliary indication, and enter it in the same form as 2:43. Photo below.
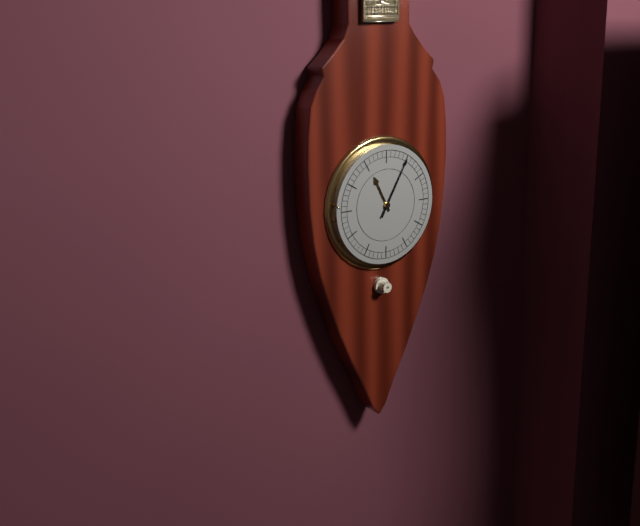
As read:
11:05
